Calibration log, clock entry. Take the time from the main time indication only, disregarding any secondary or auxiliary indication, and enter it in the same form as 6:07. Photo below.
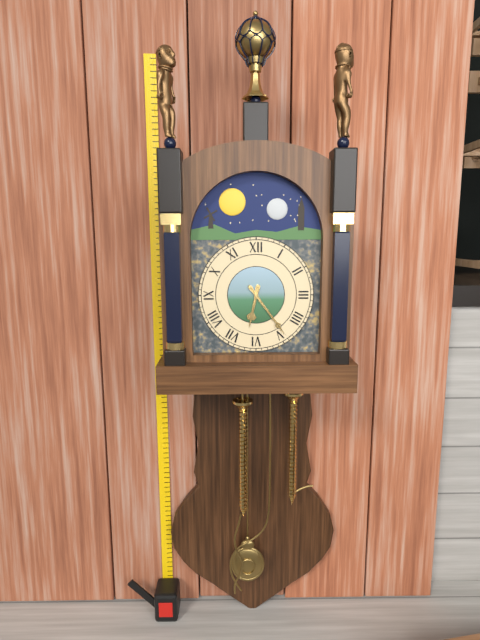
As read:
6:24
